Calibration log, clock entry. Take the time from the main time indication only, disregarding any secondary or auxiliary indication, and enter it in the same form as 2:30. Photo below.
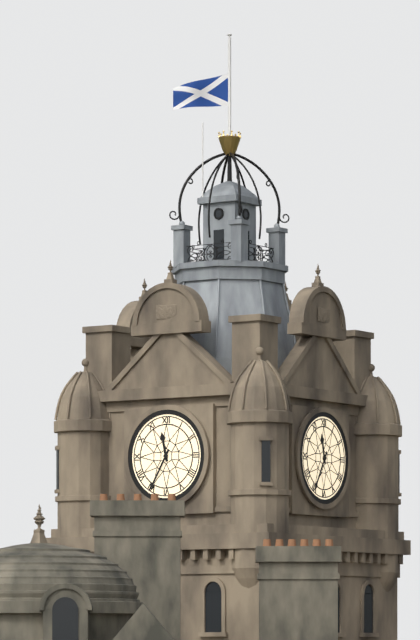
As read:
11:35
